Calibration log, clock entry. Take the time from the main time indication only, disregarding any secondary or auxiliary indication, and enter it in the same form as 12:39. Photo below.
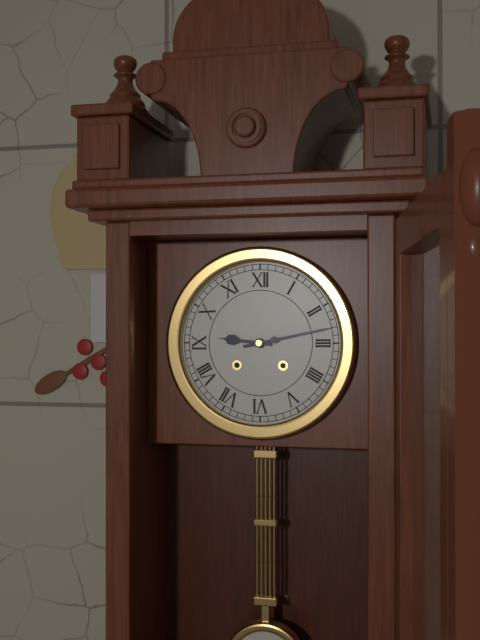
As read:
9:13
